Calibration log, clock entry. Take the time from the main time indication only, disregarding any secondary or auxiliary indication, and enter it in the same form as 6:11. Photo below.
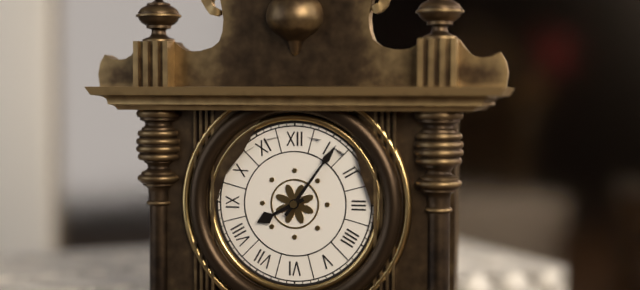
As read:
8:06
